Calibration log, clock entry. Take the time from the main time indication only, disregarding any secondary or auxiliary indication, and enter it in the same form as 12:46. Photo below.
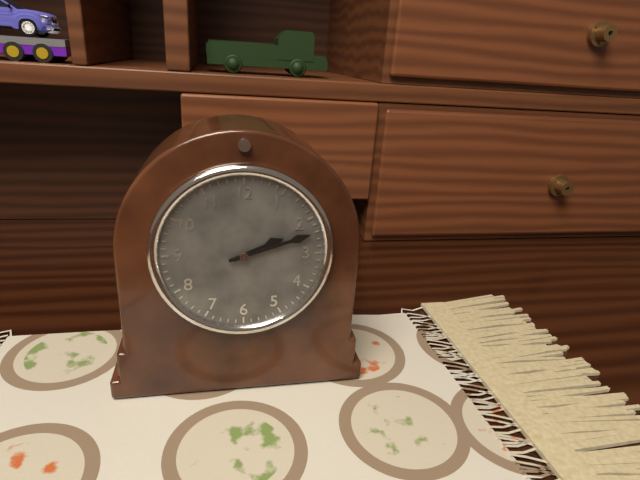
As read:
2:12
